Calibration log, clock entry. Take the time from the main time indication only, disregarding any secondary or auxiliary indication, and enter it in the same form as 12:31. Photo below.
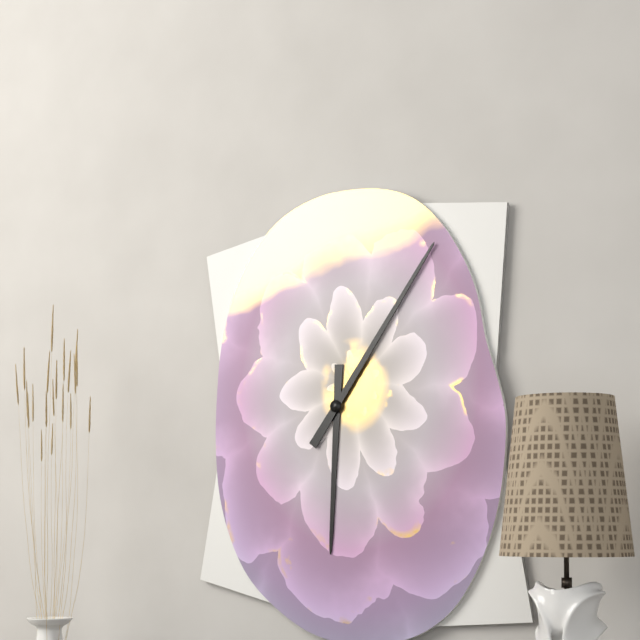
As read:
6:06
